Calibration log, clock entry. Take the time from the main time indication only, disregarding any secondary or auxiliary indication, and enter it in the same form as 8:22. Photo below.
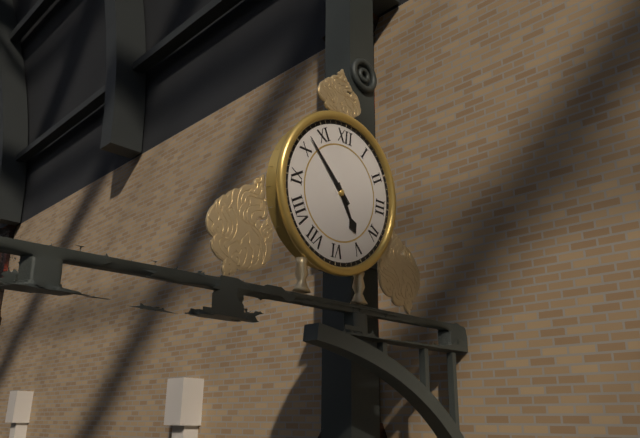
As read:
4:52
